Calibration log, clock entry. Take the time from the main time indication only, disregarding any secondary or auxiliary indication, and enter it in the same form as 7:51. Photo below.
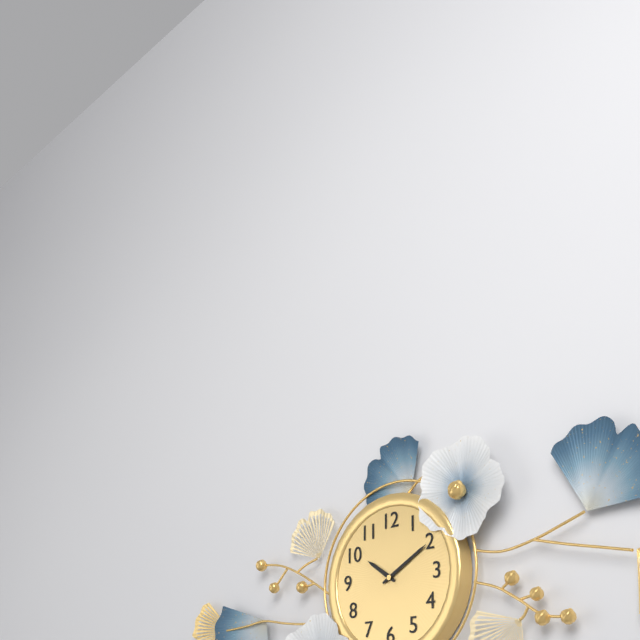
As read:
10:10
